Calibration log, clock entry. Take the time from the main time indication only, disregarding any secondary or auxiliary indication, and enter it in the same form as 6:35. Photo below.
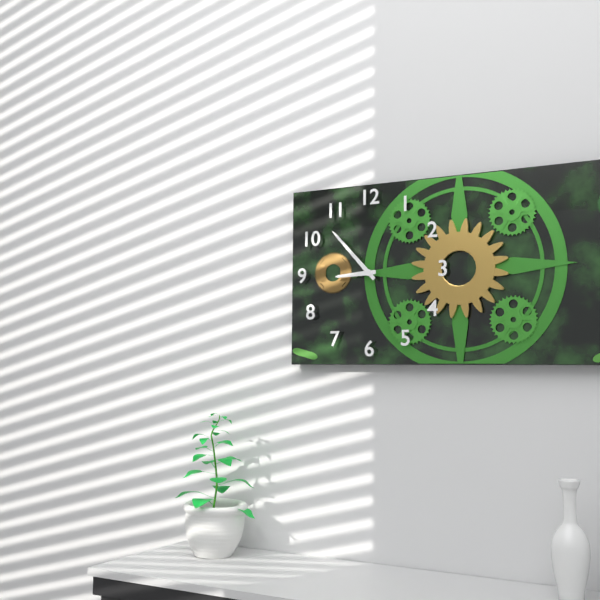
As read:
8:53
